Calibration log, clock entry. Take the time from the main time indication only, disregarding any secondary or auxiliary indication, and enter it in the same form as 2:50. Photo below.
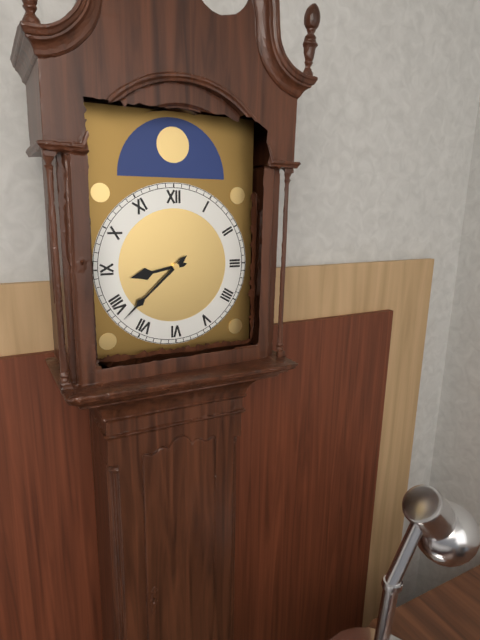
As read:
8:38
